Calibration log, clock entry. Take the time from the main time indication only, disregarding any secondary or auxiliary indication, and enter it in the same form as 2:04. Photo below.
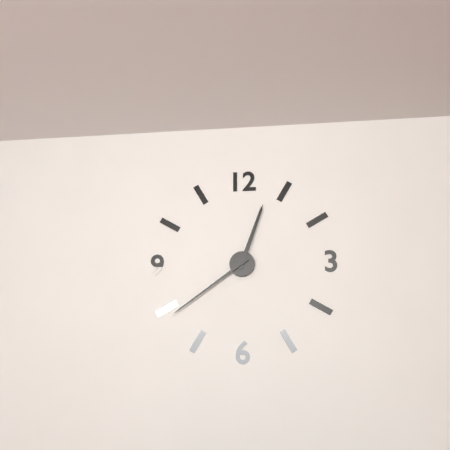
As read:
12:39
